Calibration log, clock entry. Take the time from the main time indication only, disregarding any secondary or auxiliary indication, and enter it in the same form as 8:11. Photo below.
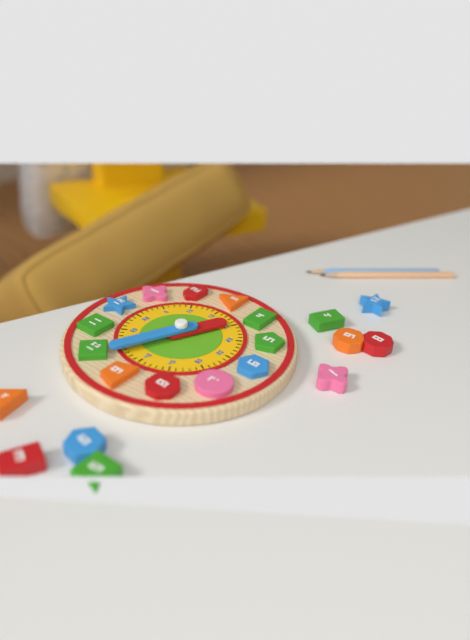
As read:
3:49
